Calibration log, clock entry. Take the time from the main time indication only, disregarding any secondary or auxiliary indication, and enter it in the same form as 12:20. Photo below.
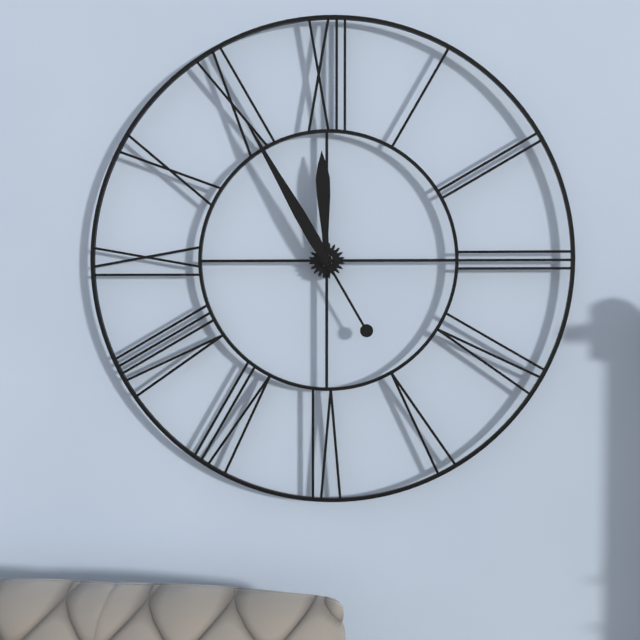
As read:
11:55
